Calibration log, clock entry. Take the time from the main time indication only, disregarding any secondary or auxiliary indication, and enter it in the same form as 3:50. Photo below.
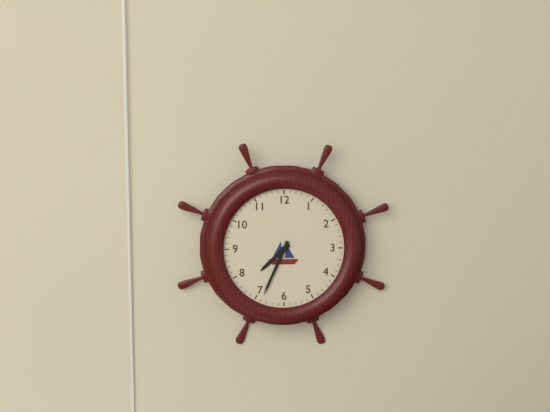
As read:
7:34
